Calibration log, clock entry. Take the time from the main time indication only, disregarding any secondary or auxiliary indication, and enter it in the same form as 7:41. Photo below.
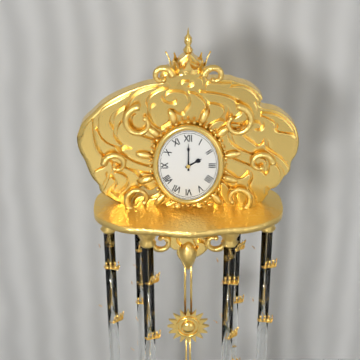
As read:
2:00
